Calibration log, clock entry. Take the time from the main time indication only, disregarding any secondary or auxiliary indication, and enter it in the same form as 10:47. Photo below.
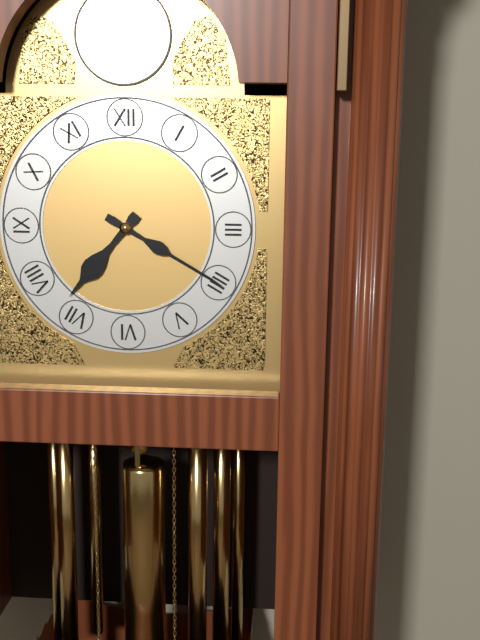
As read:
7:20
